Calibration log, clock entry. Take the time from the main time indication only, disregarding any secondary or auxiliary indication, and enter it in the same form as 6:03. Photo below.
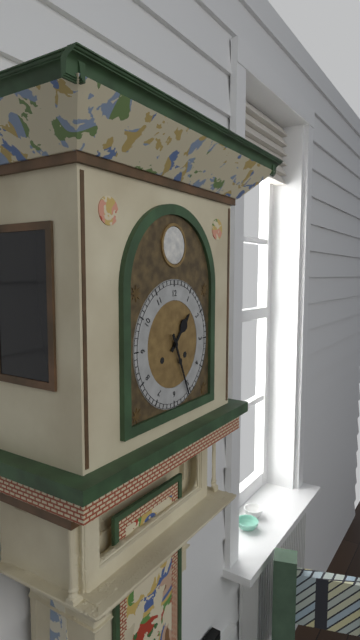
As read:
1:26
